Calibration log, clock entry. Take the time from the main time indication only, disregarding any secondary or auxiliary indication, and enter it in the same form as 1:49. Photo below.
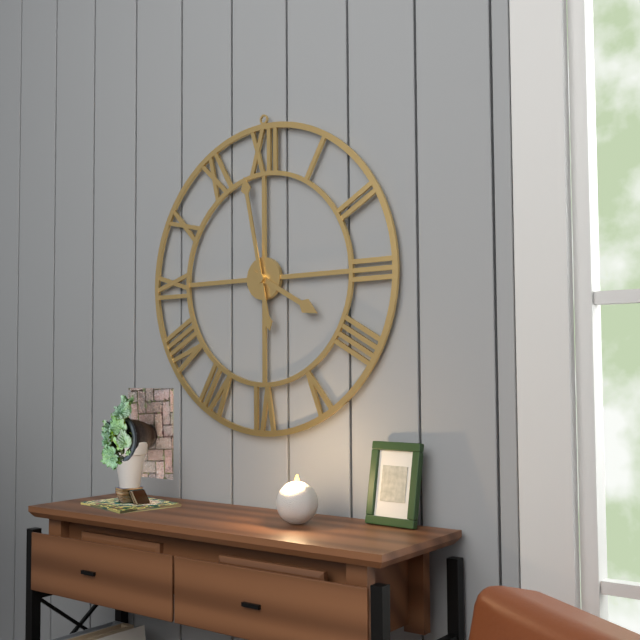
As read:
3:58
